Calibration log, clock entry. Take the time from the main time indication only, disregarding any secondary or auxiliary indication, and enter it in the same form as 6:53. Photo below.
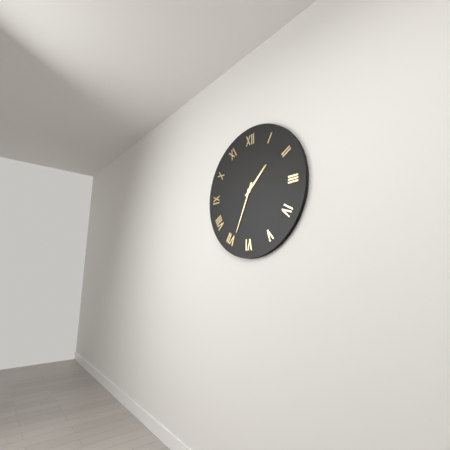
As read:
1:34
